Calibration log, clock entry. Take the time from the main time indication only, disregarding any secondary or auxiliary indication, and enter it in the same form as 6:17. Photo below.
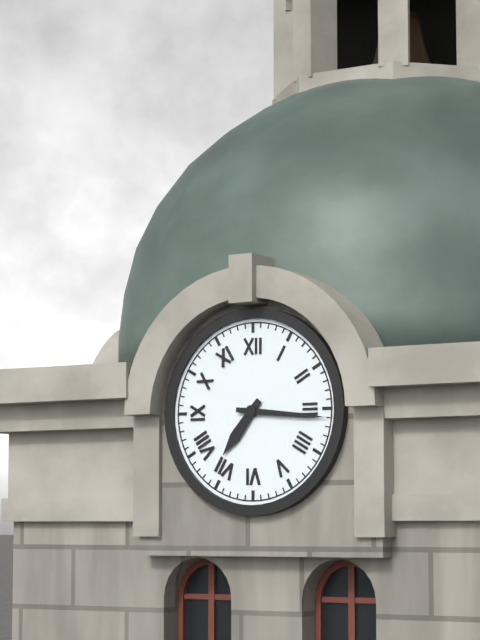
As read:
7:16
